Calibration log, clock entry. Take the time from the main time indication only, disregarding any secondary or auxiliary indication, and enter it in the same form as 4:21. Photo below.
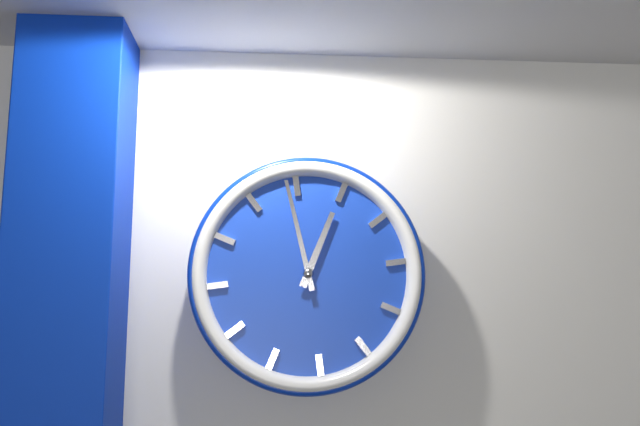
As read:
12:59
